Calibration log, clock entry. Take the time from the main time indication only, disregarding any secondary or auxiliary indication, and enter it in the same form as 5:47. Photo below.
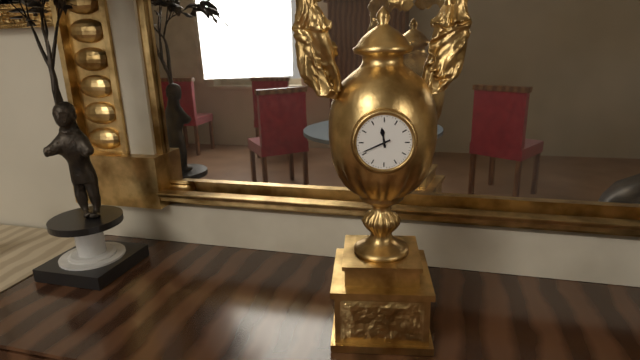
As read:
11:41
